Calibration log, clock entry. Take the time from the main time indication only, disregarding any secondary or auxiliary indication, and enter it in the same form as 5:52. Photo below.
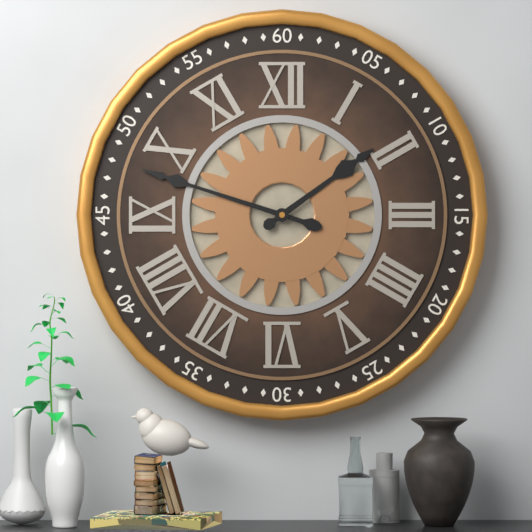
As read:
1:48
